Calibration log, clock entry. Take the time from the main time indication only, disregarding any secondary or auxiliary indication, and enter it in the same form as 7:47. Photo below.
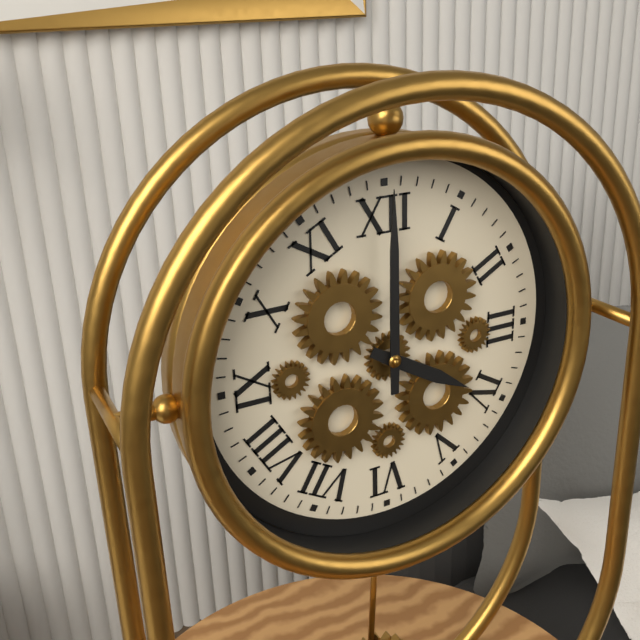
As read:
4:00
